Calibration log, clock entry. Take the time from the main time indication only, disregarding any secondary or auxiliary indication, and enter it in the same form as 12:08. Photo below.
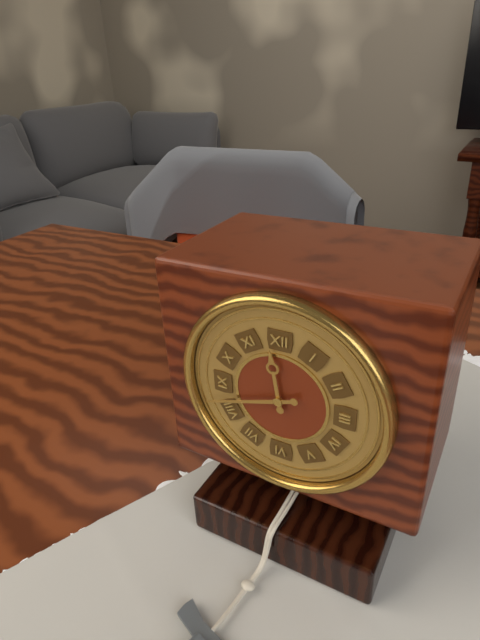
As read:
11:42
